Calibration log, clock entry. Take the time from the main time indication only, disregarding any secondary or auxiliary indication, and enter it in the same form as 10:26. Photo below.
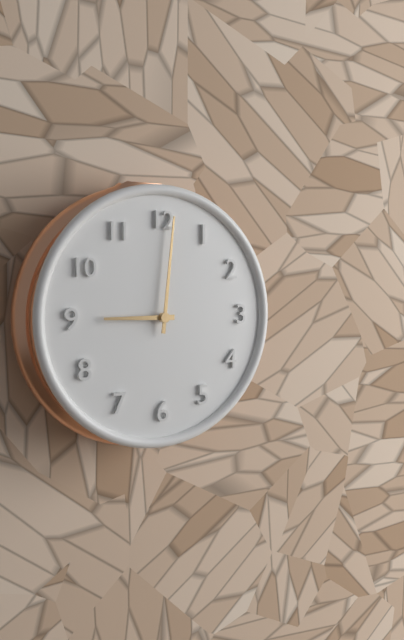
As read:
9:01
